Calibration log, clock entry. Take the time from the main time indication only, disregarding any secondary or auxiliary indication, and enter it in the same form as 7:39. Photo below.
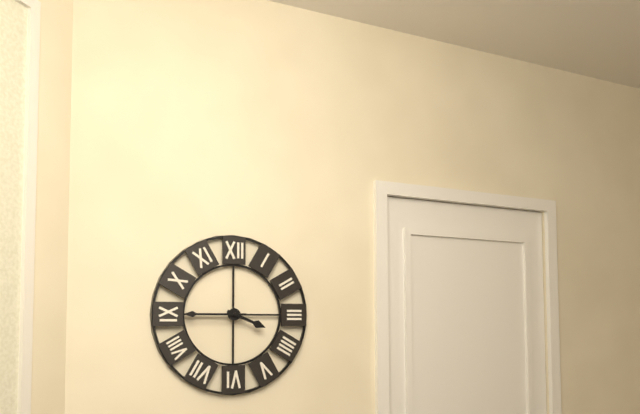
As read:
3:45
